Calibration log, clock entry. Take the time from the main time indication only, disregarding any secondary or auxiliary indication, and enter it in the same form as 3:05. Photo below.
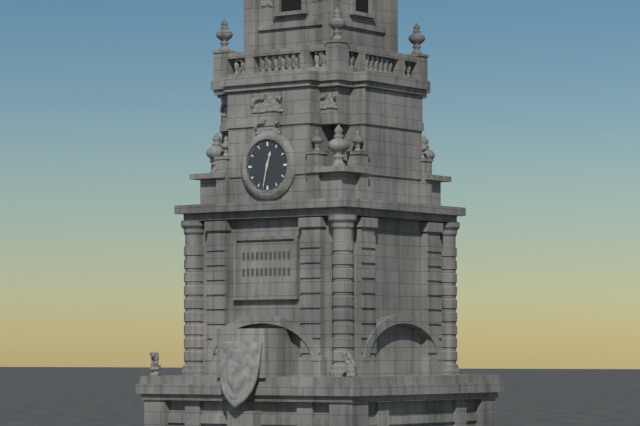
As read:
12:32
